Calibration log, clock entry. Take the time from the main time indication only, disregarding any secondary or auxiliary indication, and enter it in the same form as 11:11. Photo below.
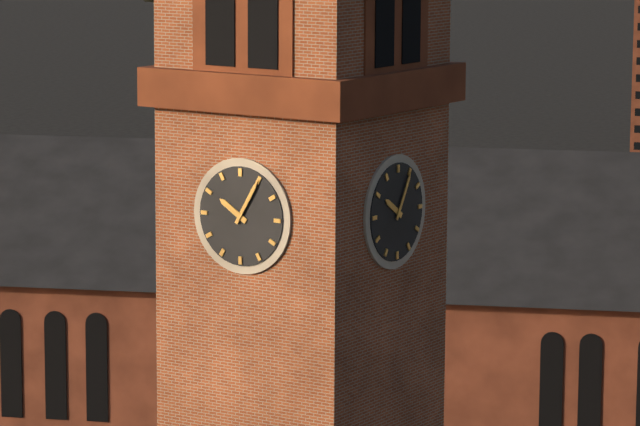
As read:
10:05
